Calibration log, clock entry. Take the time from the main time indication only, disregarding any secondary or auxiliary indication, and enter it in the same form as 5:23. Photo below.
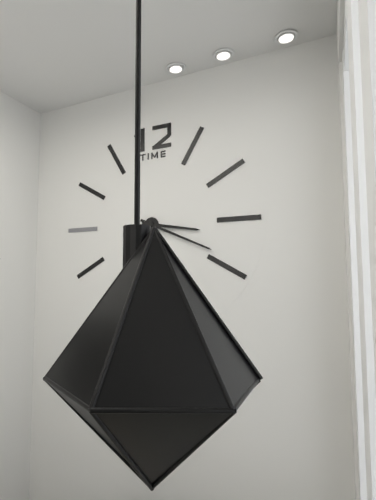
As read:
3:19
